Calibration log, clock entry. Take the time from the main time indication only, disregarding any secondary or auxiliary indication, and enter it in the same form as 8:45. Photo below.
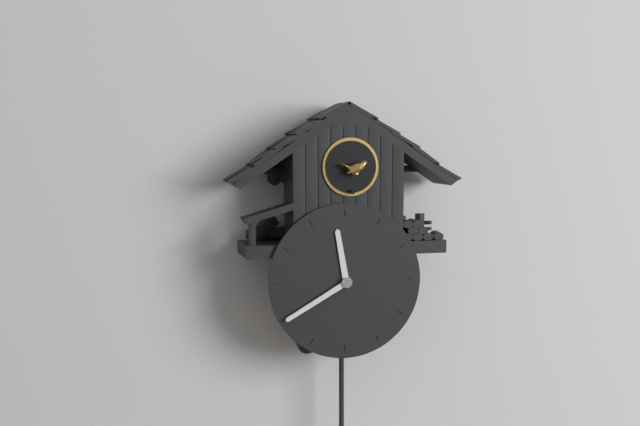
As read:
11:40
